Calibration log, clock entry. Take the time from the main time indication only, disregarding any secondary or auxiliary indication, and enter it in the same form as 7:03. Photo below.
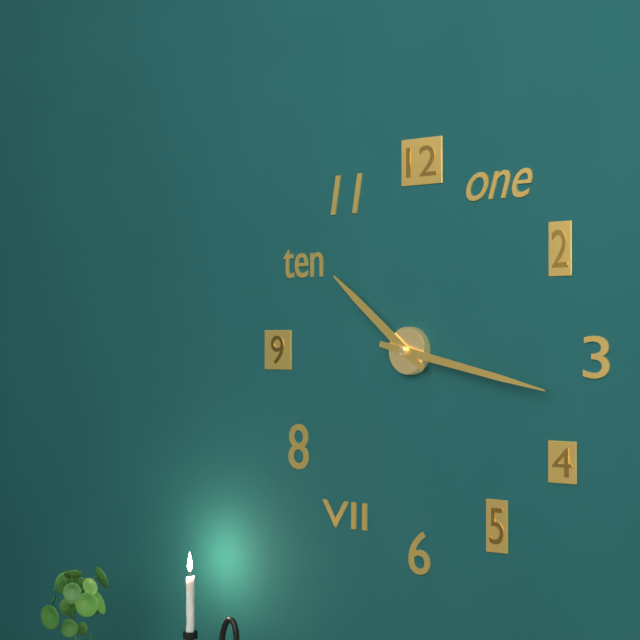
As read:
10:17
